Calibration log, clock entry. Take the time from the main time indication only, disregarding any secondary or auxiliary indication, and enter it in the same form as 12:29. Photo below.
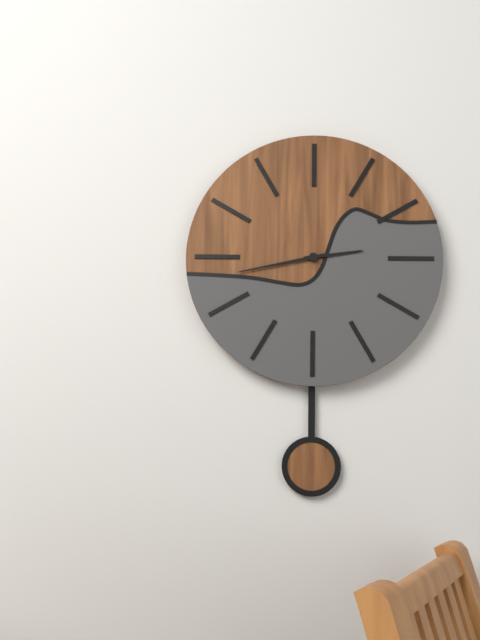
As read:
2:43
